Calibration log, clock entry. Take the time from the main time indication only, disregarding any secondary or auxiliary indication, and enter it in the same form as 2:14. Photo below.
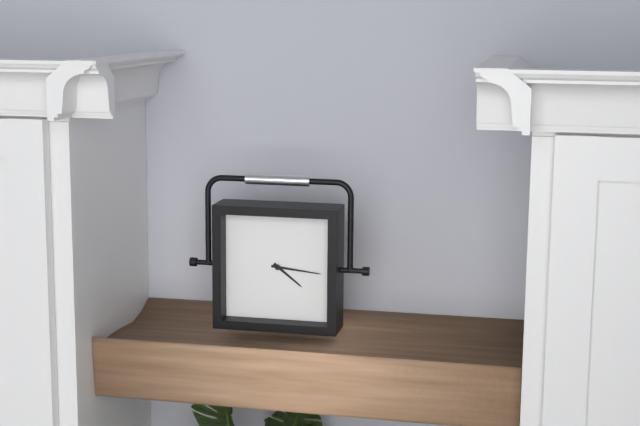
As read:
4:16
